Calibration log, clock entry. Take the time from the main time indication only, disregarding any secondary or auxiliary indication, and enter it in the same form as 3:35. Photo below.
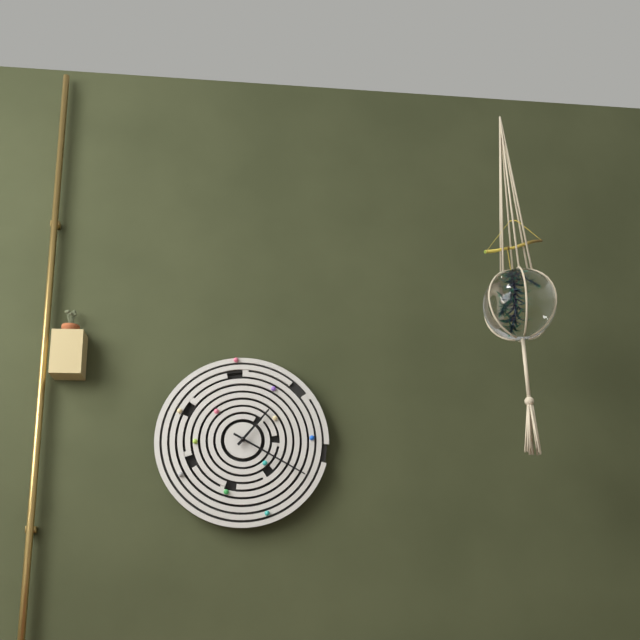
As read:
1:20
